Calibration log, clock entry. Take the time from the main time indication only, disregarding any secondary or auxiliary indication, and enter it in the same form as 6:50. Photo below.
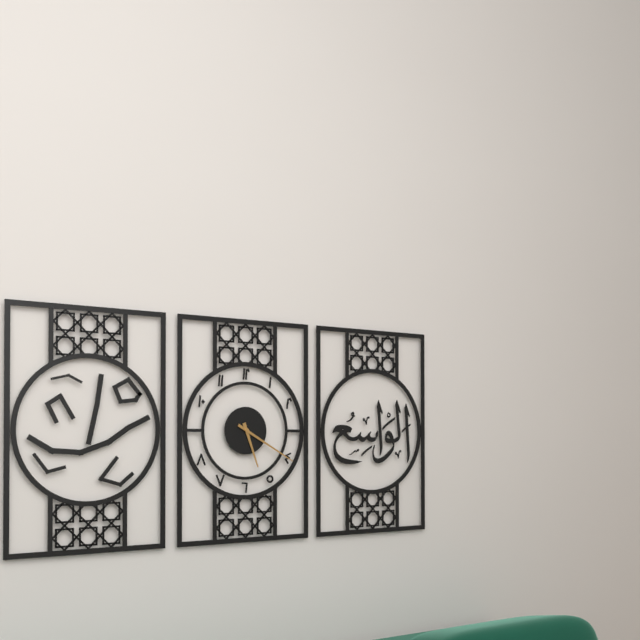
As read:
5:20
